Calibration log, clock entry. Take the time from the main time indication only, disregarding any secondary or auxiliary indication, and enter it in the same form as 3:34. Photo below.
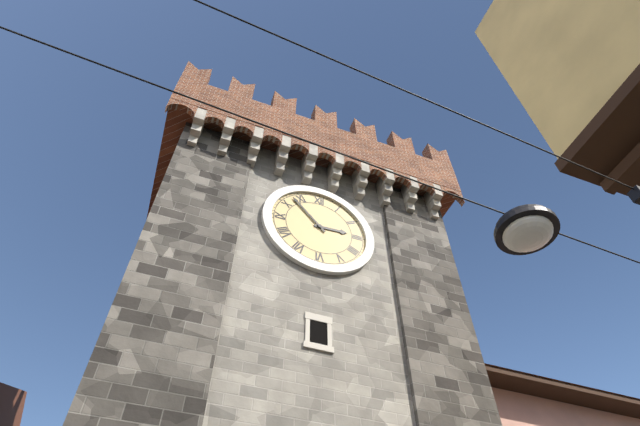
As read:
2:53
